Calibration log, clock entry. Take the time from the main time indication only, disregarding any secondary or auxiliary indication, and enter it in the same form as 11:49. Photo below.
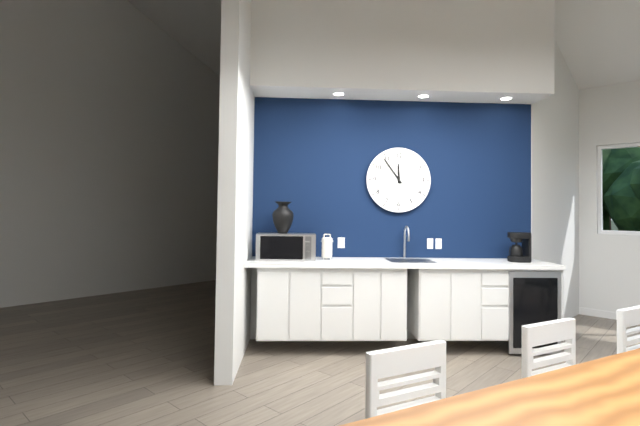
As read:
11:54
